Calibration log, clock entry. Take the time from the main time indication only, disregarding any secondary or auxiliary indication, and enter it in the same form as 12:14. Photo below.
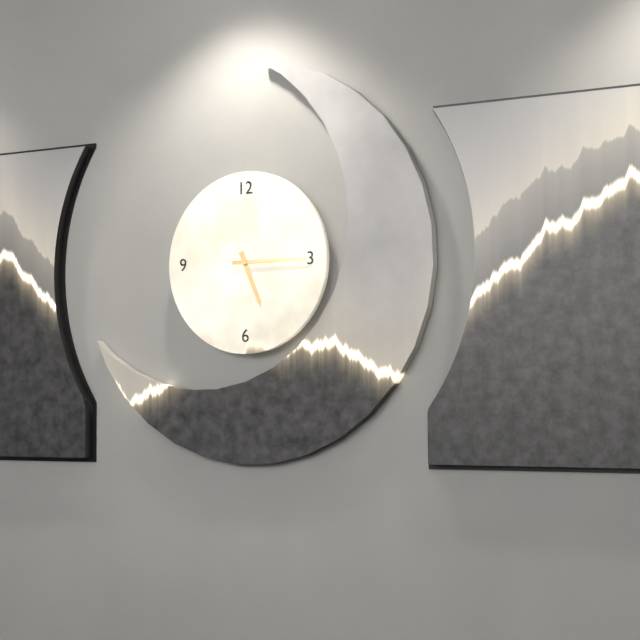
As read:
5:15
